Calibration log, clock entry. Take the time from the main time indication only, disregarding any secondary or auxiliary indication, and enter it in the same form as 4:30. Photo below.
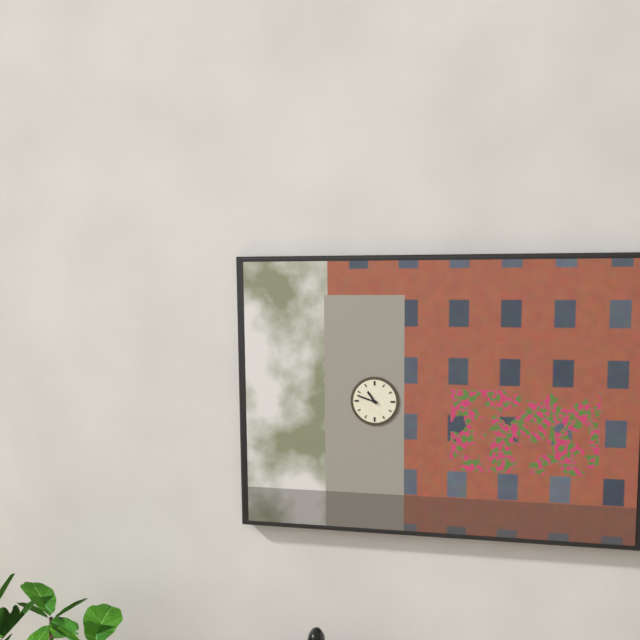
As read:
10:48
